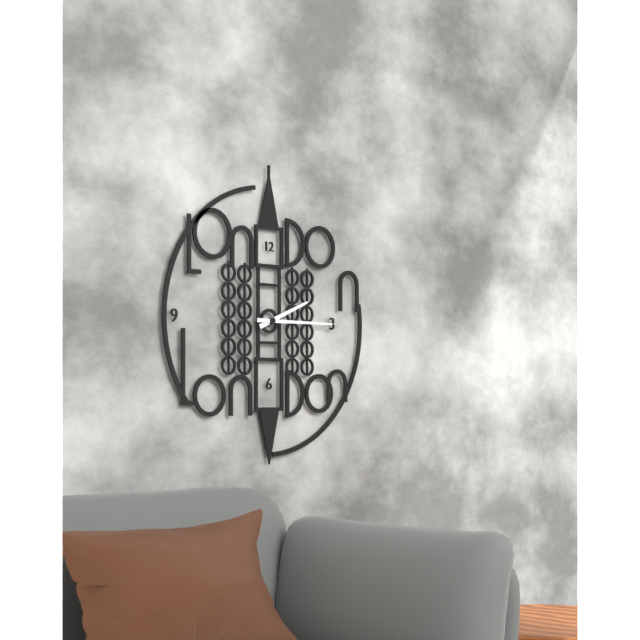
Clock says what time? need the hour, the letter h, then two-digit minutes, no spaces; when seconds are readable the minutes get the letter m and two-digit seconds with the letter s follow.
2h15
